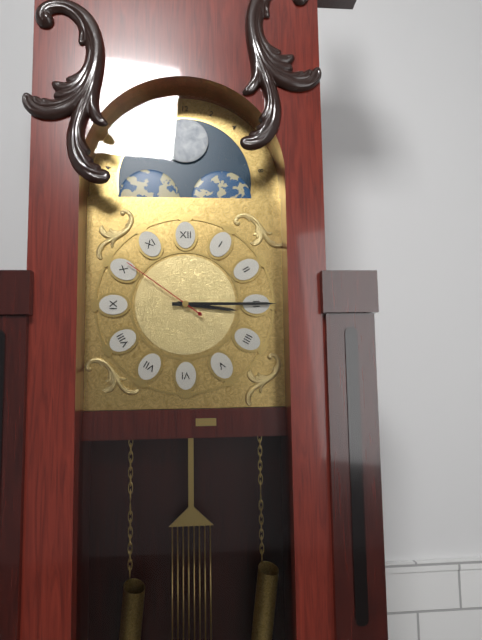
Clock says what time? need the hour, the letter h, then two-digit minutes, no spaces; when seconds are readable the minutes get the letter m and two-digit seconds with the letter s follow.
3h15m51s
